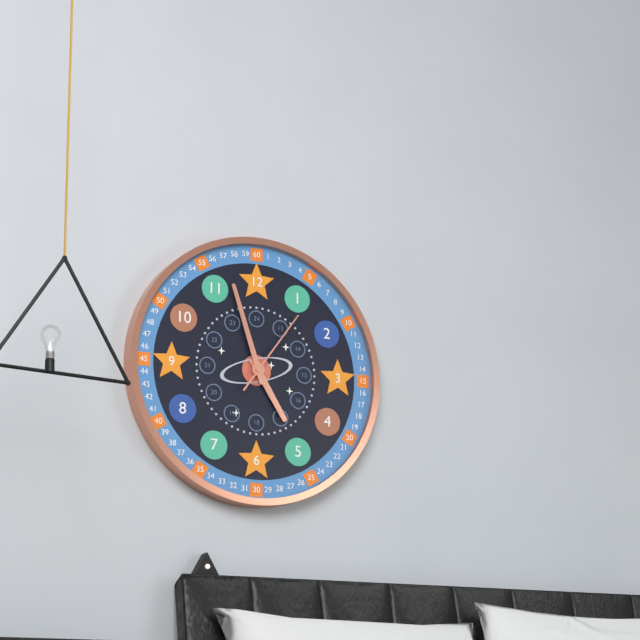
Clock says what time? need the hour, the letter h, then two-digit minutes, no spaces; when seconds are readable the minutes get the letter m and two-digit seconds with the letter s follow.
4h57m06s
